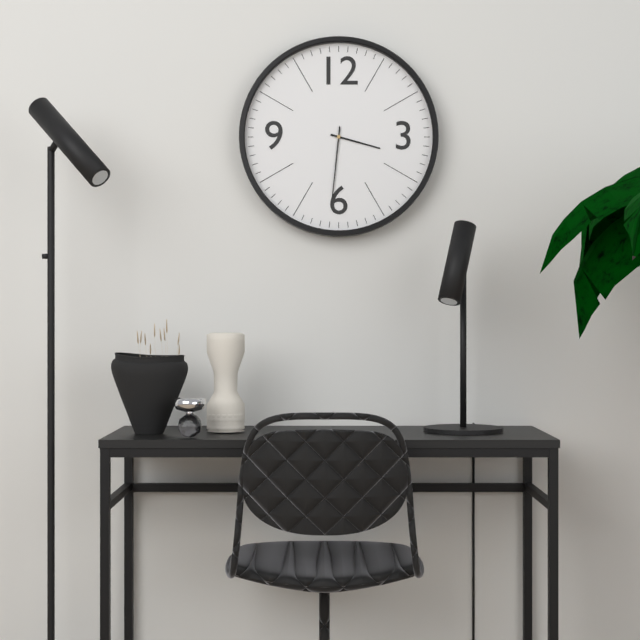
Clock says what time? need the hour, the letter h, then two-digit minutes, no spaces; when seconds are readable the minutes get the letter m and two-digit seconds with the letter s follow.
3h31
